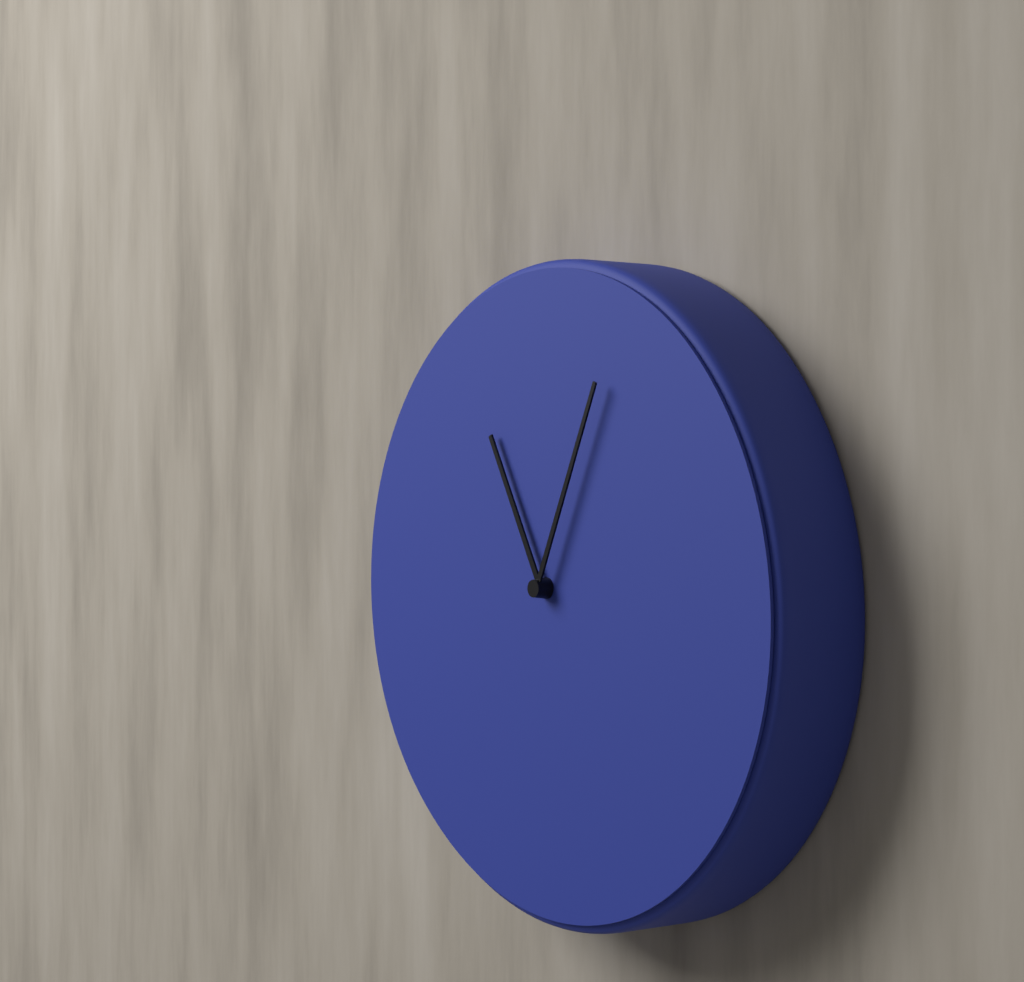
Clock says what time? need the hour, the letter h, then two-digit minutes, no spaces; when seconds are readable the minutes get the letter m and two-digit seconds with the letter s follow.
11h04
